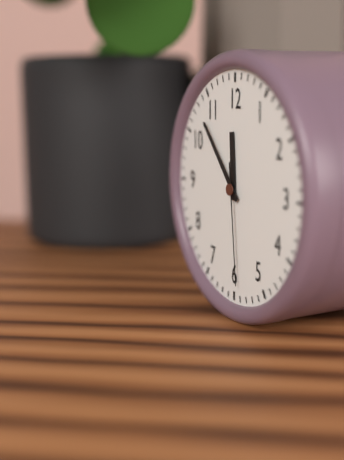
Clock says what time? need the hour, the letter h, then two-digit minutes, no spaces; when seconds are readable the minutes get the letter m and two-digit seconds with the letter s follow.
11h53m29s
